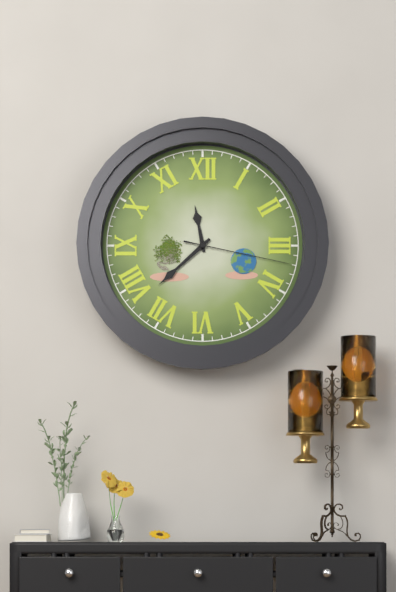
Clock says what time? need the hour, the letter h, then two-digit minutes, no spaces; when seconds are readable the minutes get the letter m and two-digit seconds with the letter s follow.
11h38m17s
